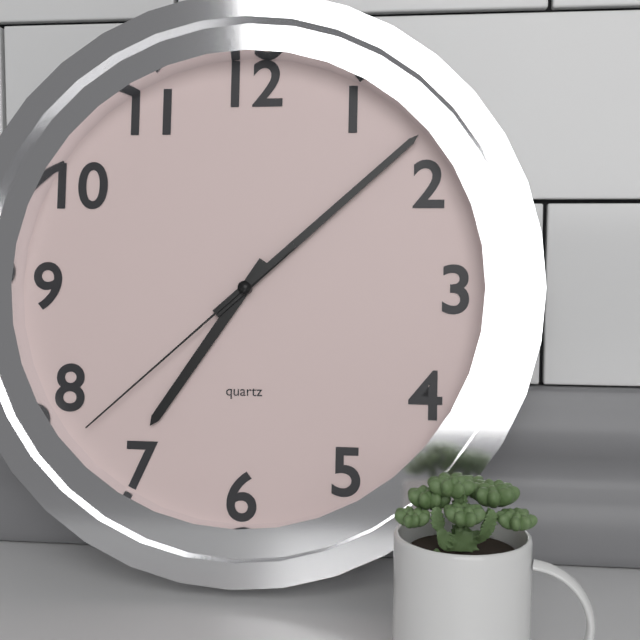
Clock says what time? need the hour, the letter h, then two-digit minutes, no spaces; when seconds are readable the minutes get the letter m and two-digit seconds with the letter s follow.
7h08m38s
